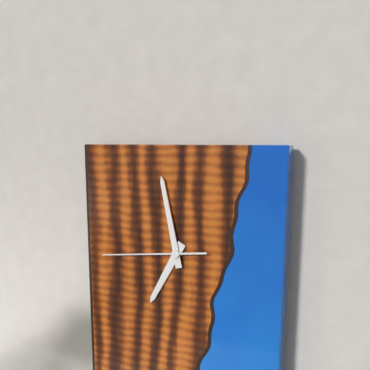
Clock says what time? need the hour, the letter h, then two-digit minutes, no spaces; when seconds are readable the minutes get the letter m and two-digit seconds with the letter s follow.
6h58m44s
